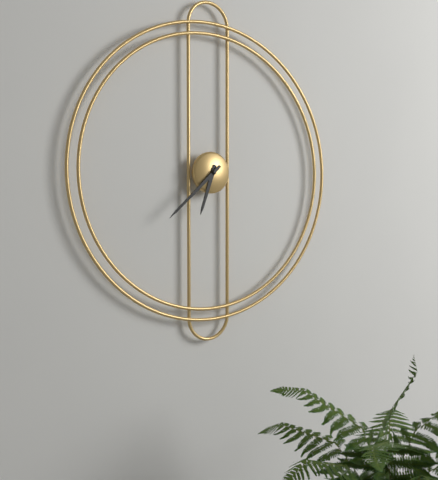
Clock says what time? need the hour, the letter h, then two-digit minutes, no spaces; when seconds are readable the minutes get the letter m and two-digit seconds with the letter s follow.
6h38
